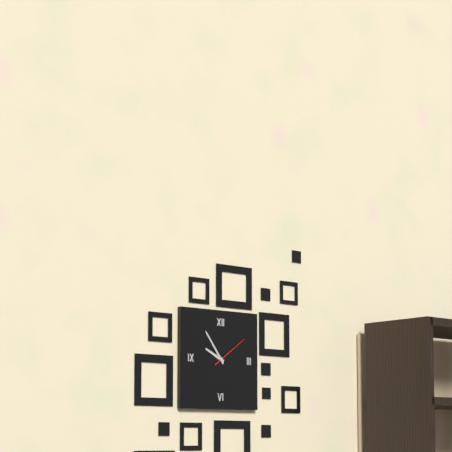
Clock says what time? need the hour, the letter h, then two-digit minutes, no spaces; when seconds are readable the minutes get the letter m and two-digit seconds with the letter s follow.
9h54
